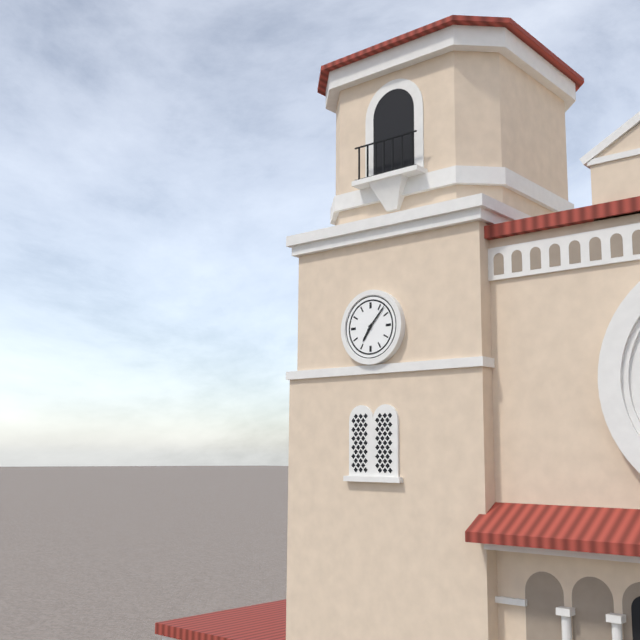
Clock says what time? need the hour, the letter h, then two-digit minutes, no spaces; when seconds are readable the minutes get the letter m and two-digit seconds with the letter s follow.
7h07
